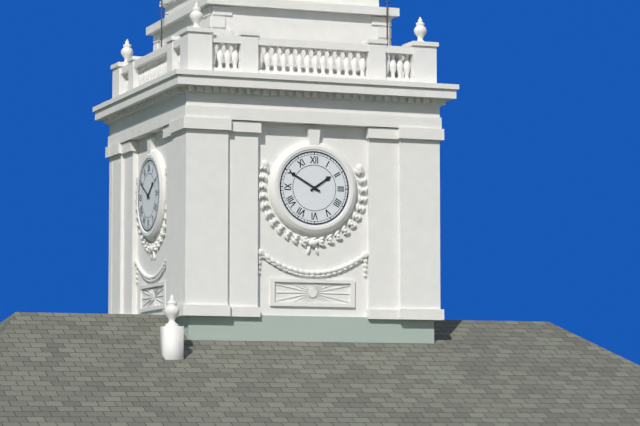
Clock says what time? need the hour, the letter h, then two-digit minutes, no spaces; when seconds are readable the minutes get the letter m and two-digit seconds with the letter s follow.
1h50
